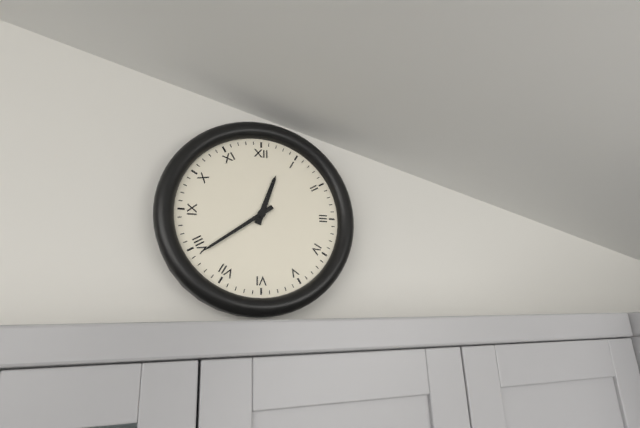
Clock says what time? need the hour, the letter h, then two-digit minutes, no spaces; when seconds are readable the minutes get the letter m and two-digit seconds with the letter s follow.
12h39
